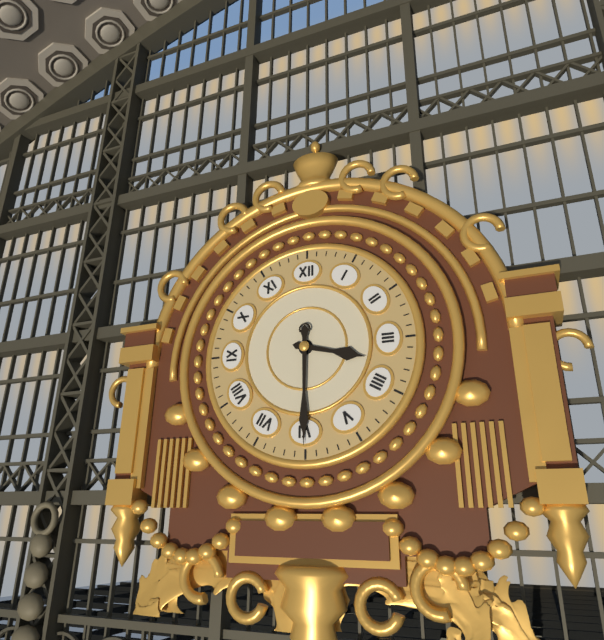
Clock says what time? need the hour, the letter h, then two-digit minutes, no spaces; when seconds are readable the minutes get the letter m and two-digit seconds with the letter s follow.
3h30
